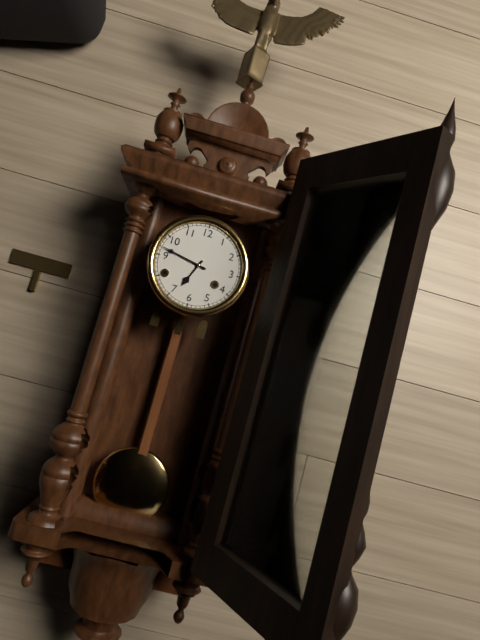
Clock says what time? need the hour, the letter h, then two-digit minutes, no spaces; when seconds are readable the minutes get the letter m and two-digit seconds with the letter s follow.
6h47
